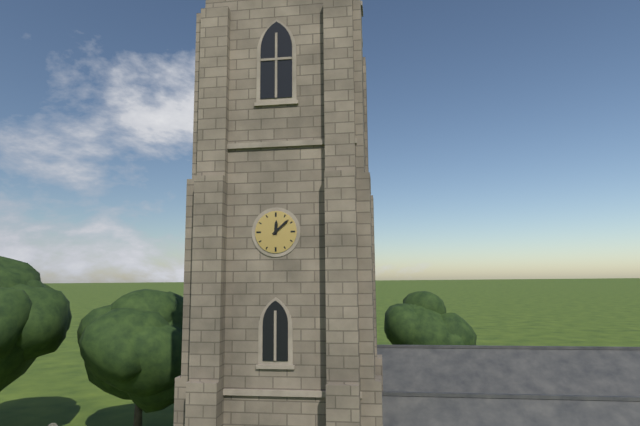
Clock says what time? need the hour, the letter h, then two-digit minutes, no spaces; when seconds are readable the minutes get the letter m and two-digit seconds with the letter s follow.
12h08
